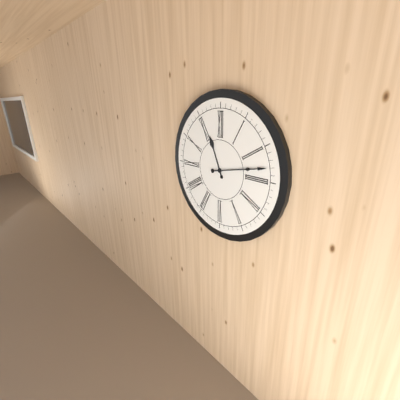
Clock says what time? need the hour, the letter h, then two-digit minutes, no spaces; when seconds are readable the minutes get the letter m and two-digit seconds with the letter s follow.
11h13
